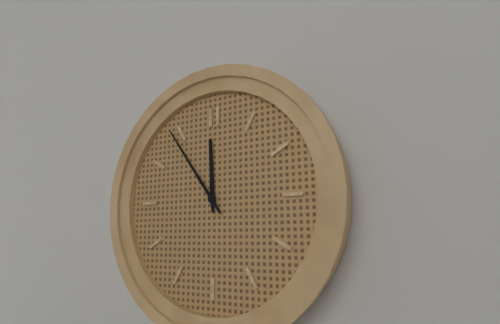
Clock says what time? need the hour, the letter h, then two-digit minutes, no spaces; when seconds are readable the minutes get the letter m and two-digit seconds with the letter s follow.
11h54
